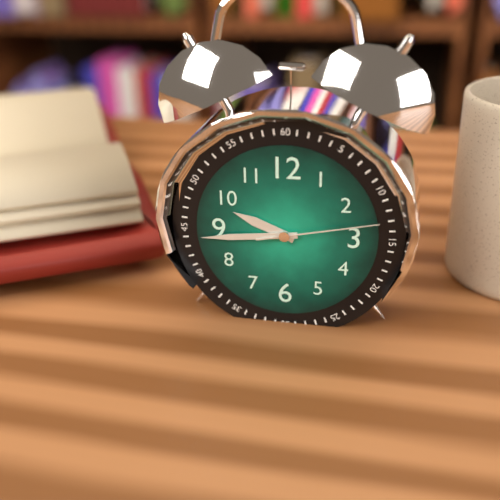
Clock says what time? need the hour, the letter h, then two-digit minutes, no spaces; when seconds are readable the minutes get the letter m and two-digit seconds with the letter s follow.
9h44m13s
